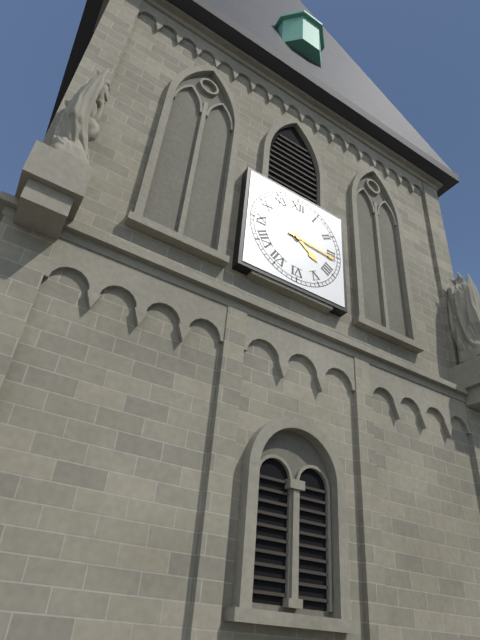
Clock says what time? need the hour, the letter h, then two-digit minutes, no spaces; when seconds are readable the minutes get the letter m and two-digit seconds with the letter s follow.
4h16
